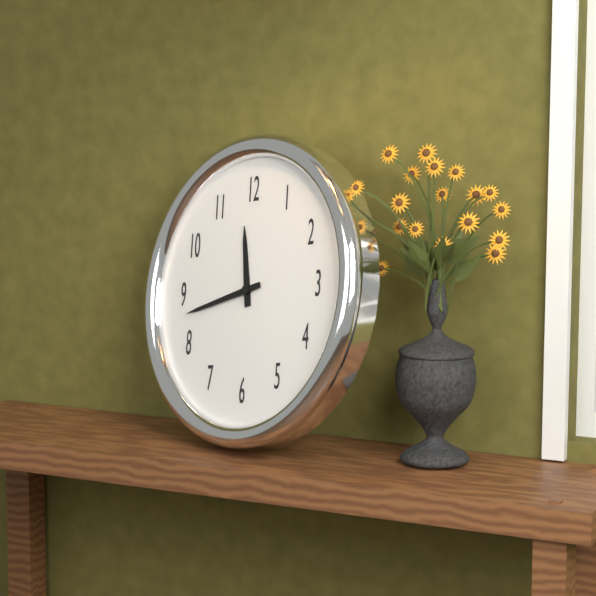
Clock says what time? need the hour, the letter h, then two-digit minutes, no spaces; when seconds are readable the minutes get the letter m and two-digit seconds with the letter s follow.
11h43
